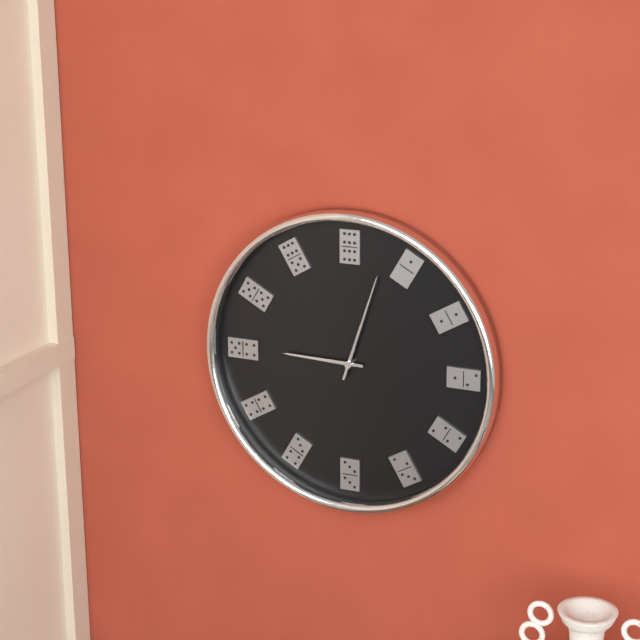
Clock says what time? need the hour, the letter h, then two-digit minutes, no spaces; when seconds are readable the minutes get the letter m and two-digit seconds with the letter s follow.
9h03
